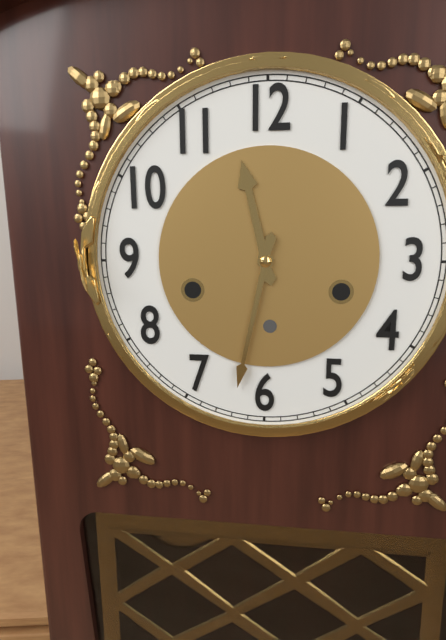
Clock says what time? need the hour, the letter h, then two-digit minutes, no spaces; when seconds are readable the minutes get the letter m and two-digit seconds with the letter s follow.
11h32
